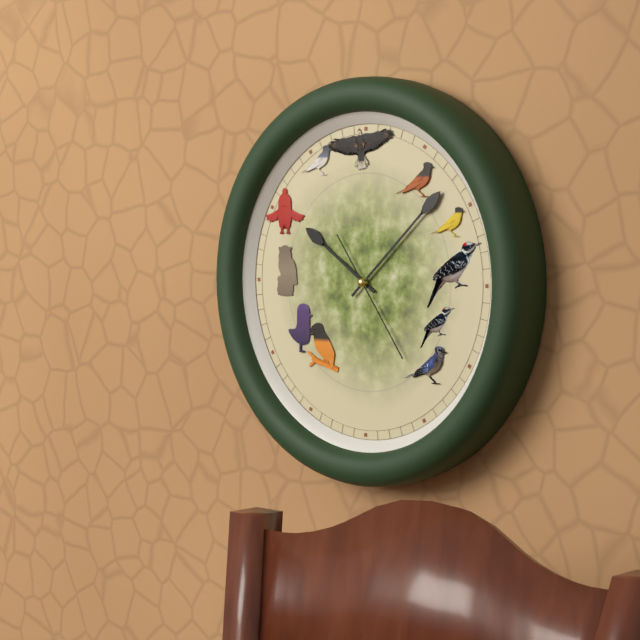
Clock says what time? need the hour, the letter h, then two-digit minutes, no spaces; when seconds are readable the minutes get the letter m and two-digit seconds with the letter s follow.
10h08m24s
